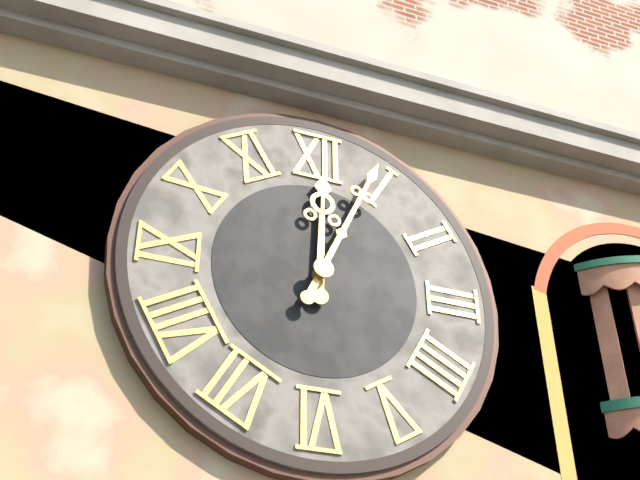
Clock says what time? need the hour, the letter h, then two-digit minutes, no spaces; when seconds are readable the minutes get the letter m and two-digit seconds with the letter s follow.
12h04
